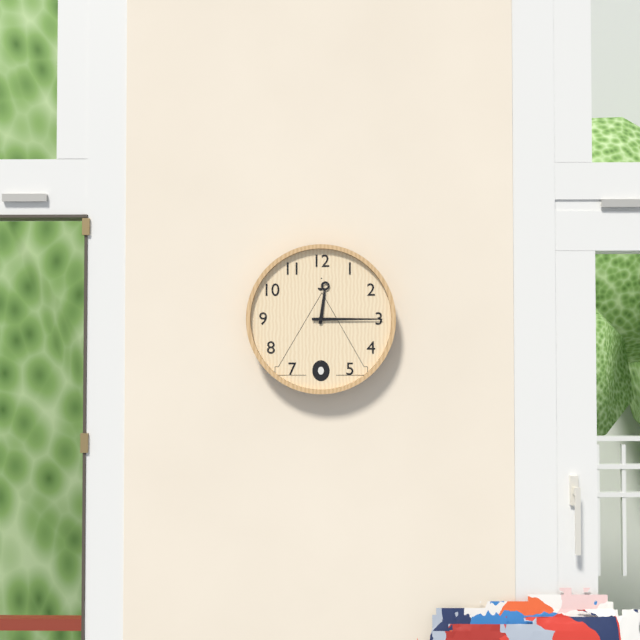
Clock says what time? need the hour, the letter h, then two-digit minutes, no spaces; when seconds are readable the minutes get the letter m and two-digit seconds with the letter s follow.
12h15
